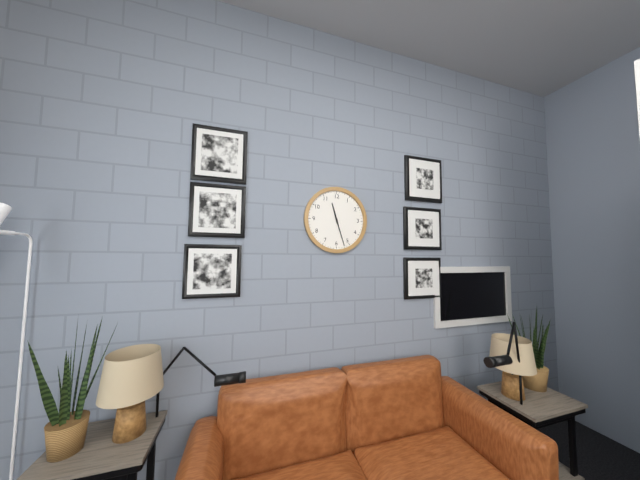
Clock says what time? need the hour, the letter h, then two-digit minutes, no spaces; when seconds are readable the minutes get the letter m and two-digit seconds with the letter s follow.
11h27
